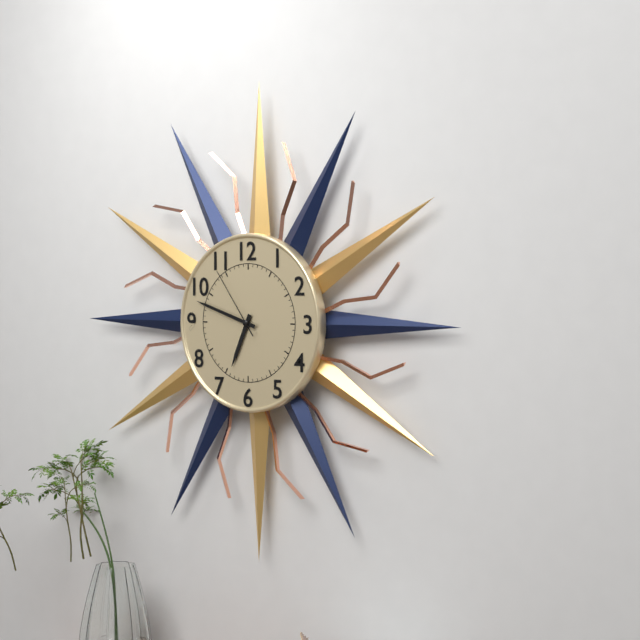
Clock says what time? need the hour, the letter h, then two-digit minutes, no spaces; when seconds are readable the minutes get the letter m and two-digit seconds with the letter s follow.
6h48m54s
